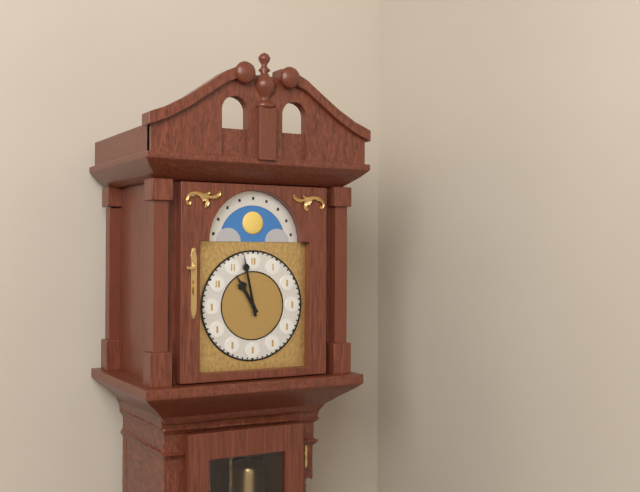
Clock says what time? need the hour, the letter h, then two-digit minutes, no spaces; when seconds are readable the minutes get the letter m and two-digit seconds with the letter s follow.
10h58
